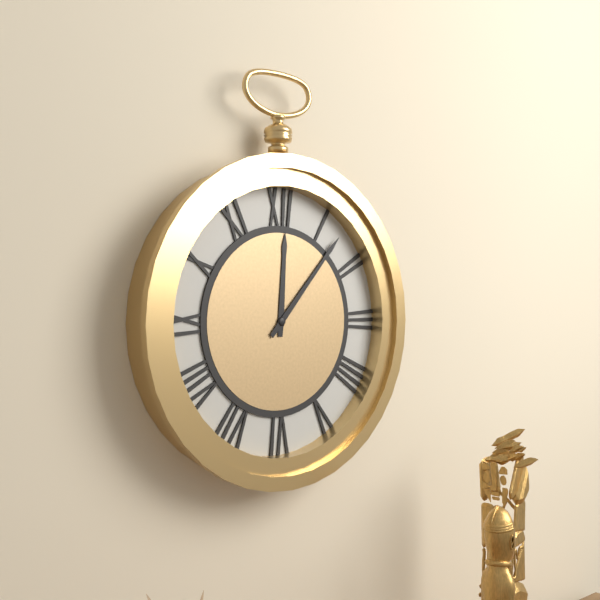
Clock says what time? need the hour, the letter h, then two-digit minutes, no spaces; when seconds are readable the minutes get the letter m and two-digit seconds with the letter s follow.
12h07
